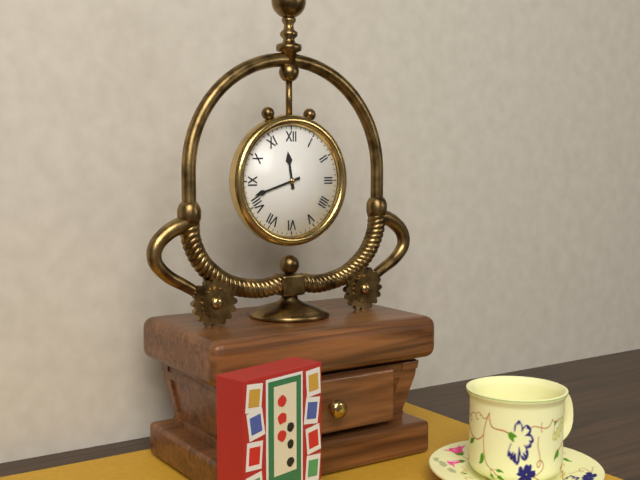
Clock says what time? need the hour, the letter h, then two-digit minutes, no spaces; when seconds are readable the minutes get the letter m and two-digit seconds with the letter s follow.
11h42
